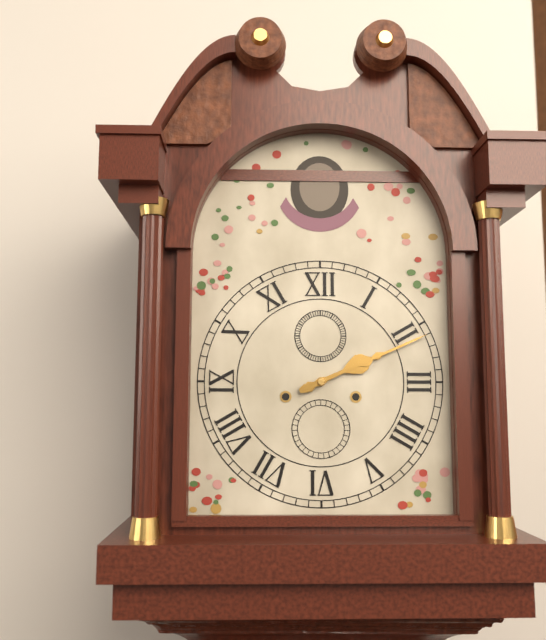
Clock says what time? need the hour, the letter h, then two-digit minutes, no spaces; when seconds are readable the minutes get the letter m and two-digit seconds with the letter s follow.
2h11
